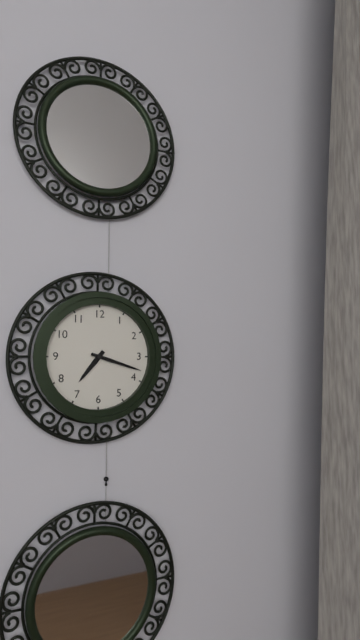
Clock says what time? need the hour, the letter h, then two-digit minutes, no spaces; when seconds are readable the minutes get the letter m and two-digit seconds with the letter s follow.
7h18
